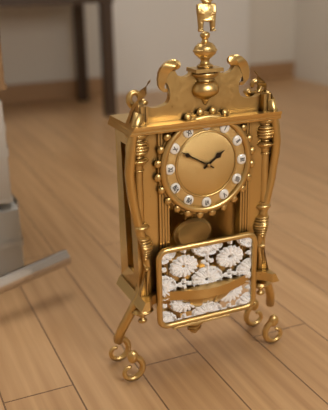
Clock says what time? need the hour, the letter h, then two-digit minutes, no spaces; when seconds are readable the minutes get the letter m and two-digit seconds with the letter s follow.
1h50
